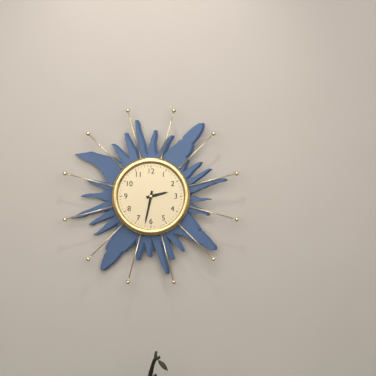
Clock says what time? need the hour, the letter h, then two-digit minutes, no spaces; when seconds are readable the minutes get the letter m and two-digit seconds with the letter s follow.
2h32
